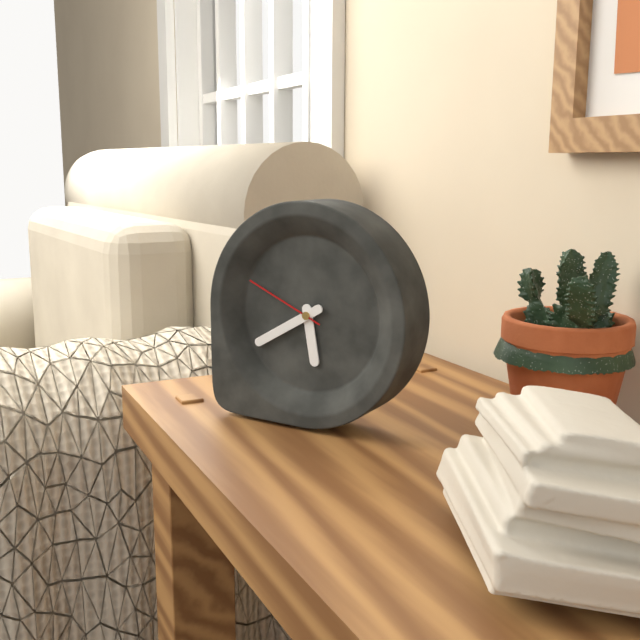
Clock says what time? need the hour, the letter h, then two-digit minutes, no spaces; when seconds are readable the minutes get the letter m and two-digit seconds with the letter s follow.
5h40m49s
